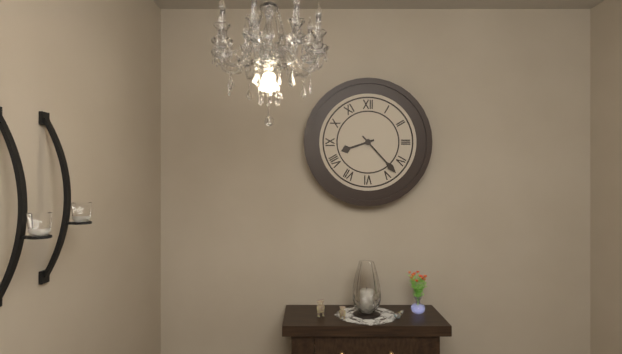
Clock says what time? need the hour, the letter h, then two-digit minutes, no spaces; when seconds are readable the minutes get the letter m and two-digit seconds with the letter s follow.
8h23
